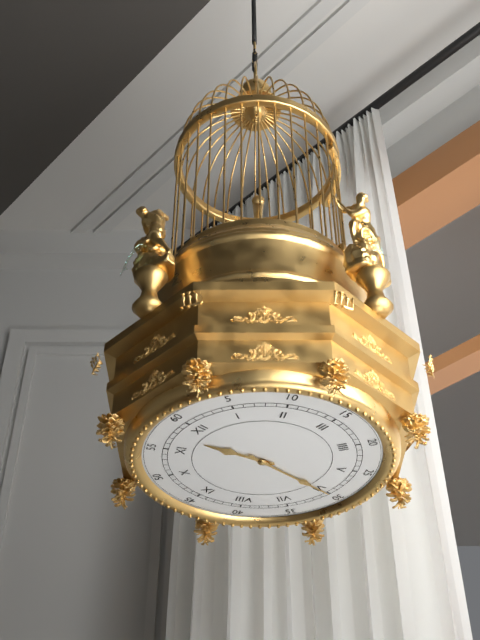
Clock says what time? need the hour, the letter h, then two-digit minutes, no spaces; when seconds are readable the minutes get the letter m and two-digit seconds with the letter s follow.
11h30
